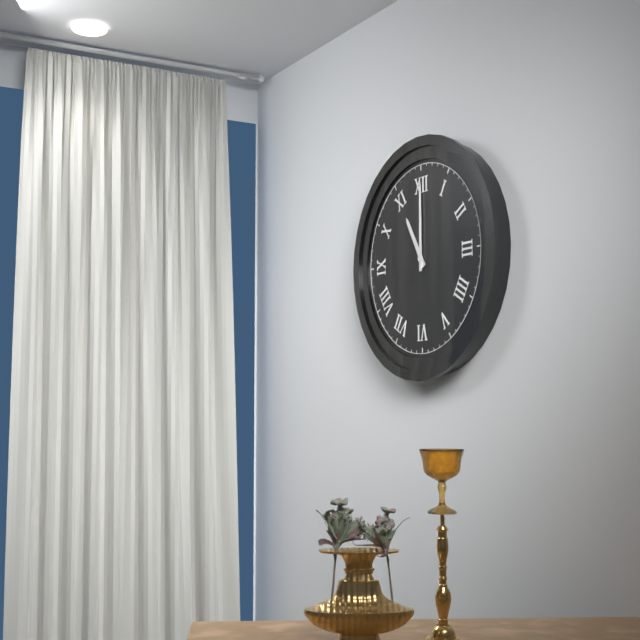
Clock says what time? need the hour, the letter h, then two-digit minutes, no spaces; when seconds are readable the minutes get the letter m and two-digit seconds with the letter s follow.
11h00
